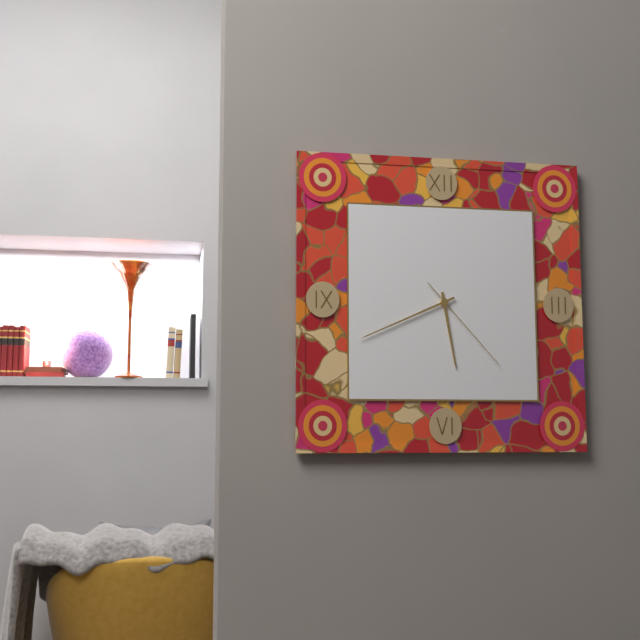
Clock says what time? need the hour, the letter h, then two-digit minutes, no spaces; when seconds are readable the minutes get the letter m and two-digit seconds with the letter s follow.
5h41m23s
